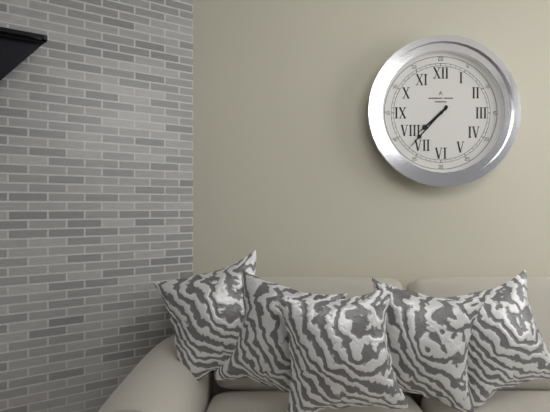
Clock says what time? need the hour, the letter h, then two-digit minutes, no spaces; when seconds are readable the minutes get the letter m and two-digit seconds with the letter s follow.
7h37
